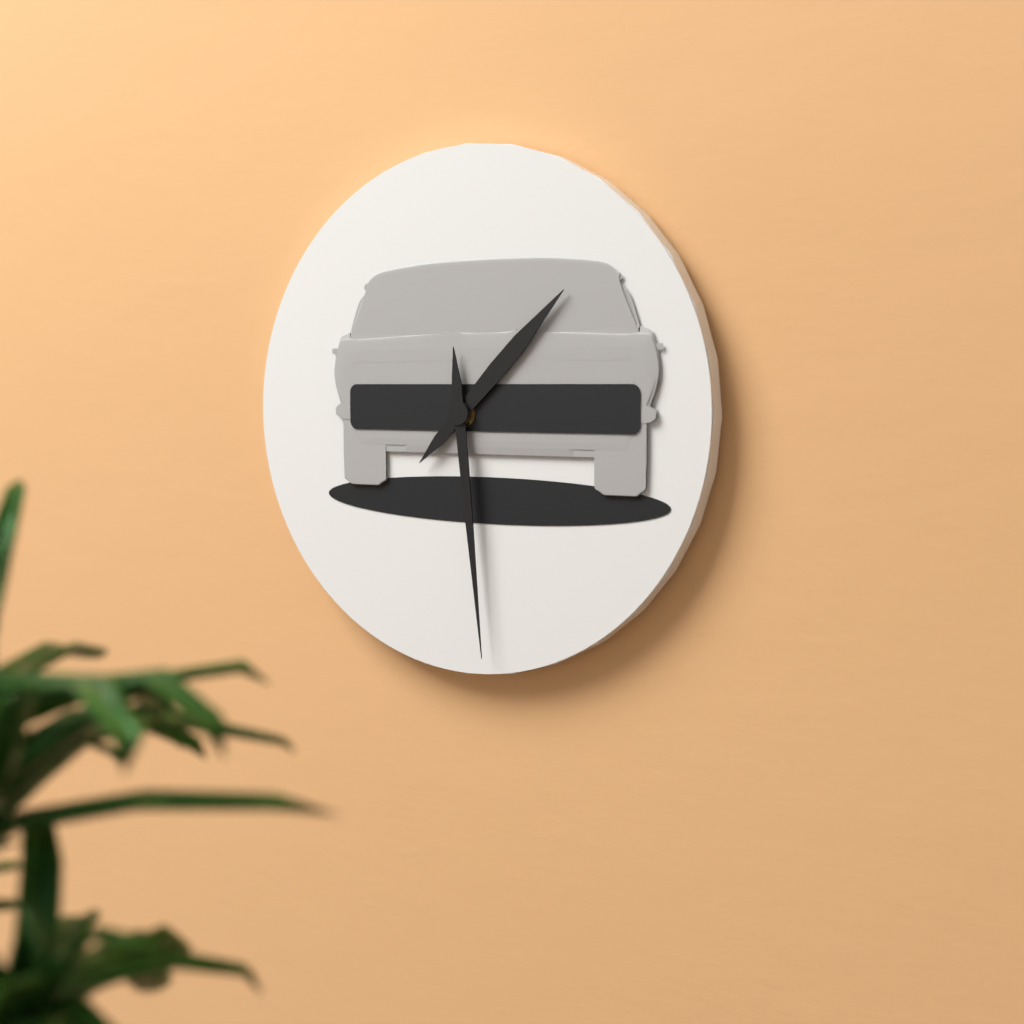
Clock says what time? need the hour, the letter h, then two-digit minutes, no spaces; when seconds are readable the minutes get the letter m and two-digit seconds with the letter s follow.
1h29
